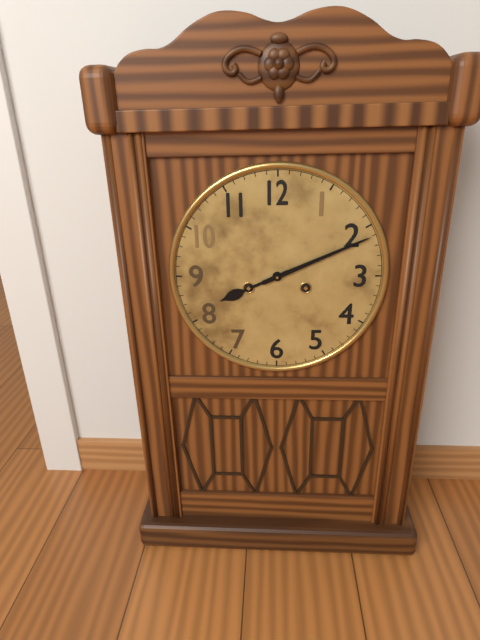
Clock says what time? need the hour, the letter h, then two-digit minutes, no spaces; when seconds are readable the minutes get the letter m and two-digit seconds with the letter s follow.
8h11
